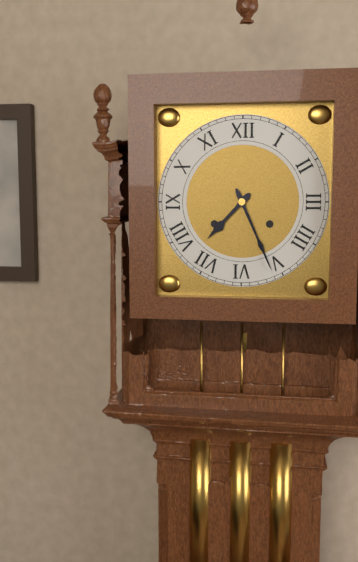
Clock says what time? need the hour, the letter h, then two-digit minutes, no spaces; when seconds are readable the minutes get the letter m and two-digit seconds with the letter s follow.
7h26
